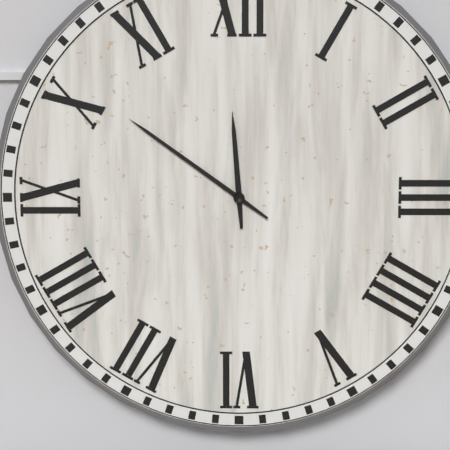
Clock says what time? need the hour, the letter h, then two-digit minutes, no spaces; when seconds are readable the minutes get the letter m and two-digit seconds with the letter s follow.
11h51
